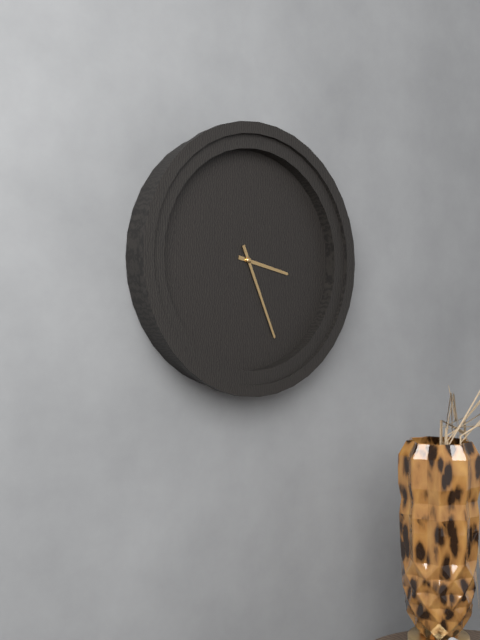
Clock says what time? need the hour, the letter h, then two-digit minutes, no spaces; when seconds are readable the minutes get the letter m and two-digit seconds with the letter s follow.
3h26
